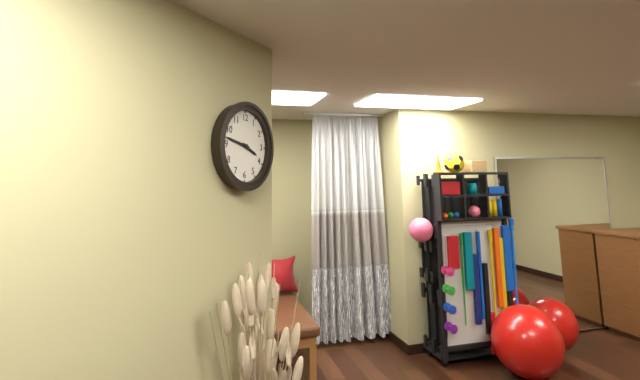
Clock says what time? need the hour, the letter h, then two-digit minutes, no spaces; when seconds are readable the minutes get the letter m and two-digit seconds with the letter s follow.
3h47
